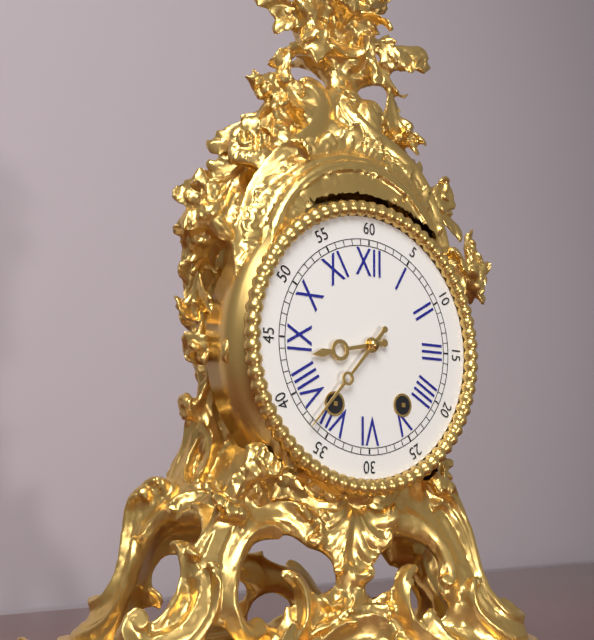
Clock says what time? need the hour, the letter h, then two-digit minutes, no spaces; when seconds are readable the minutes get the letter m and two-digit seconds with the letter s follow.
8h37
